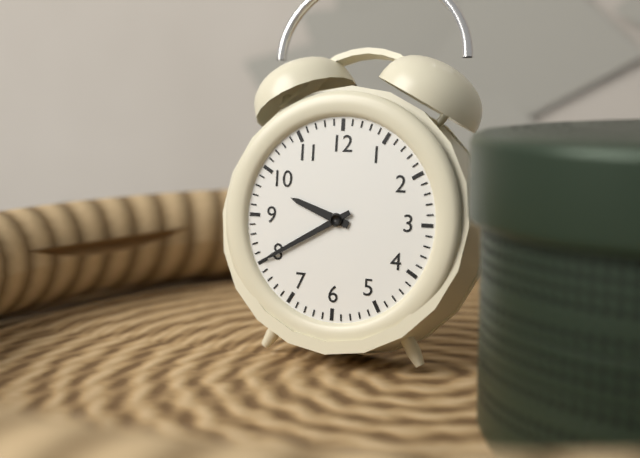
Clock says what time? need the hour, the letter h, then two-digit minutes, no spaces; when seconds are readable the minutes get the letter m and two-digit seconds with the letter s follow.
9h40
